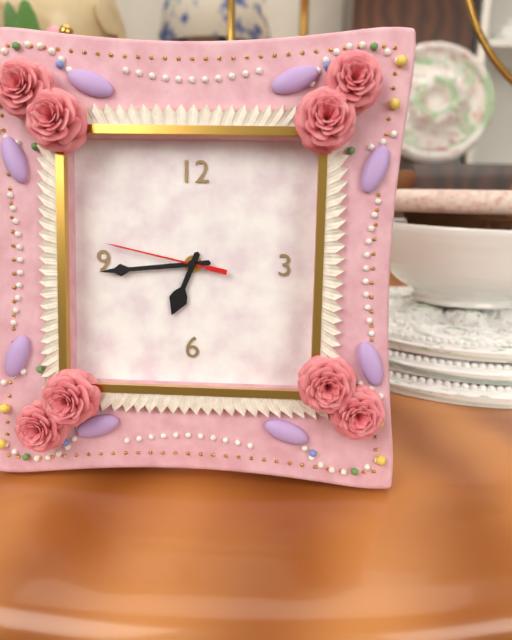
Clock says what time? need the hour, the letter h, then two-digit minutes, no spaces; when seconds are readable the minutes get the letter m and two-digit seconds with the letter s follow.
6h44m47s
